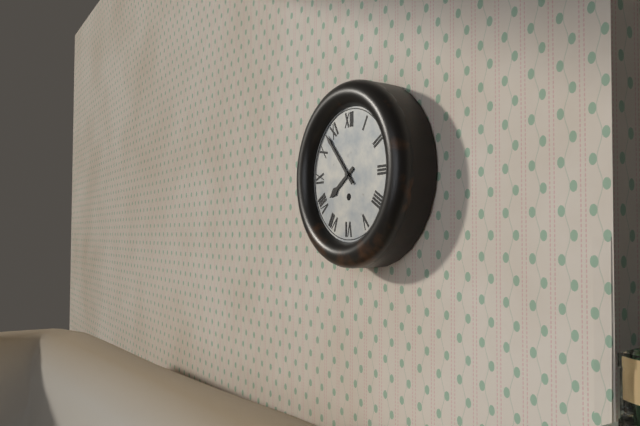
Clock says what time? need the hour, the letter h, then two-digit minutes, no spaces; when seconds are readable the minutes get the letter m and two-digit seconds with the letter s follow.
7h53
